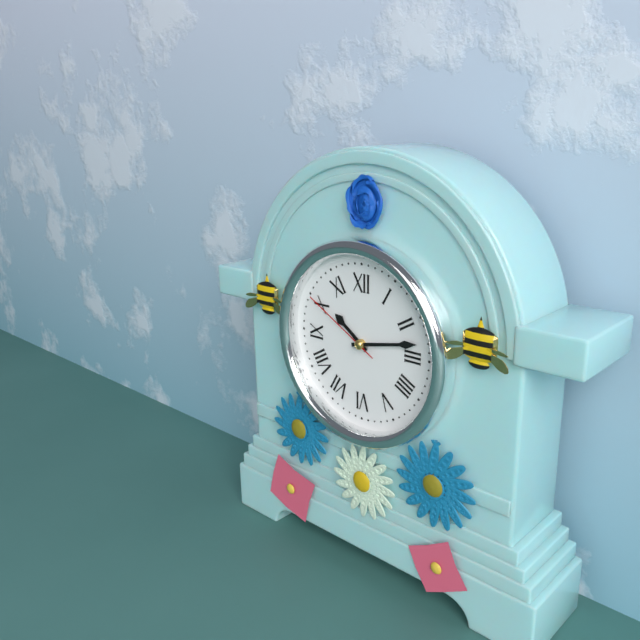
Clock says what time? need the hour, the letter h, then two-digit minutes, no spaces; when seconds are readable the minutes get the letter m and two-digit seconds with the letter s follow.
10h13m50s
